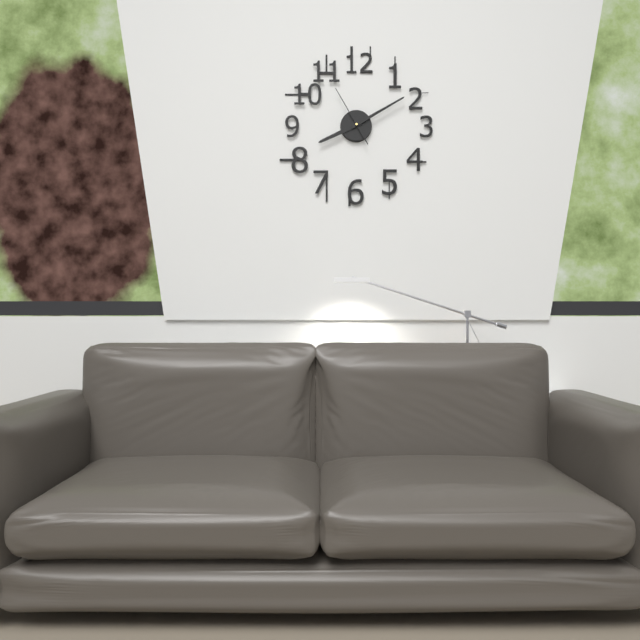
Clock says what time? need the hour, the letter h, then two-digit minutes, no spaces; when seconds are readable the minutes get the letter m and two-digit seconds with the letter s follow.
8h10m55s
